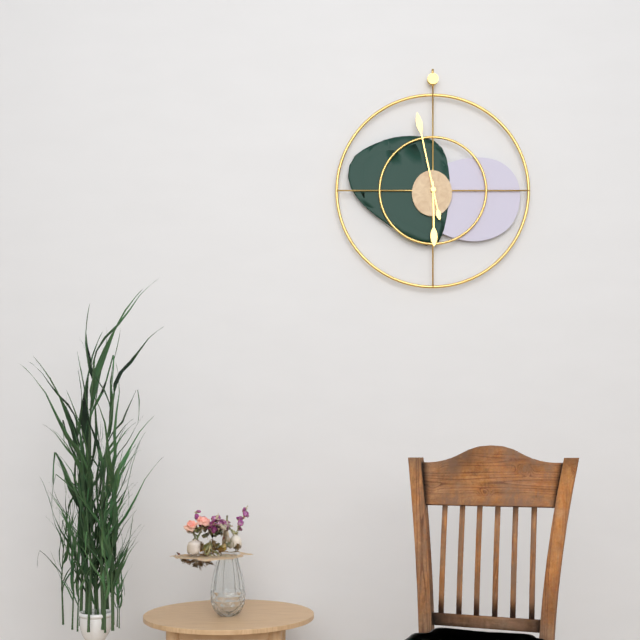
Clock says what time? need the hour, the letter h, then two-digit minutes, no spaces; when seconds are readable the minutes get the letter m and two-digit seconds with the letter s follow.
5h58
